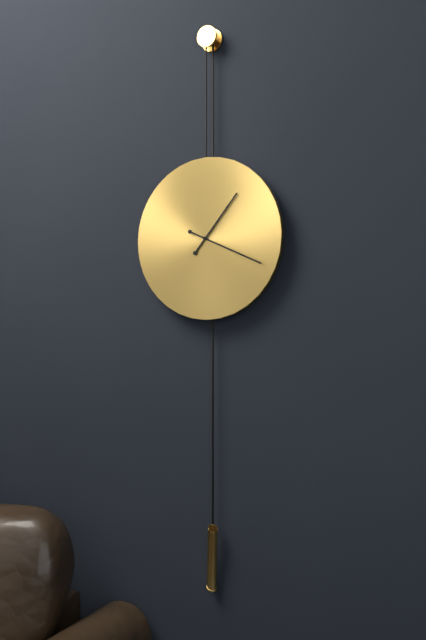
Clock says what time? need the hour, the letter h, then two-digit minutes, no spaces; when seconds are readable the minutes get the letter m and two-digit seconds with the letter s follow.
1h19
